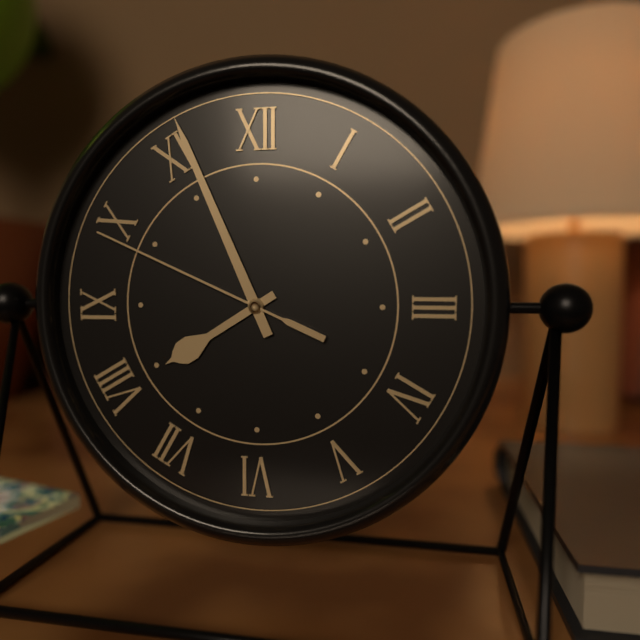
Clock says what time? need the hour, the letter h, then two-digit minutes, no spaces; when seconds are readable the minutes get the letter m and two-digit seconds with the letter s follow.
7h56m49s
